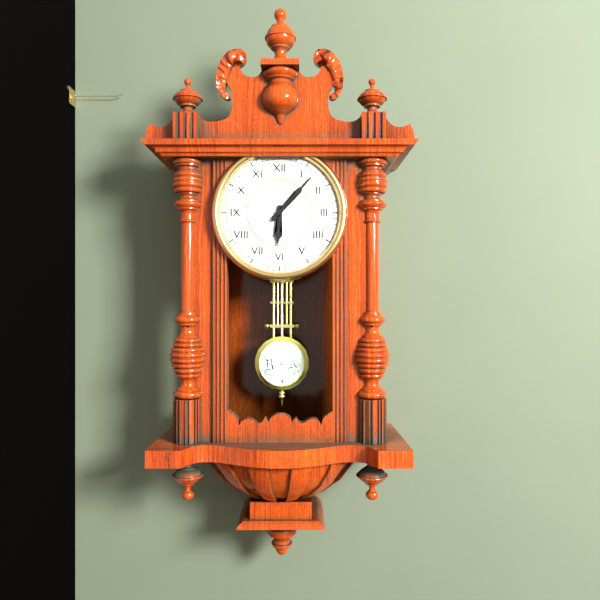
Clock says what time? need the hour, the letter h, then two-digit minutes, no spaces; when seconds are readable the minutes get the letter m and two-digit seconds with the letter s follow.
6h07
